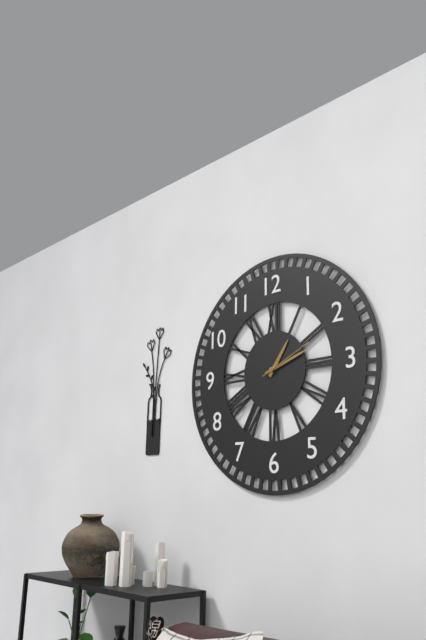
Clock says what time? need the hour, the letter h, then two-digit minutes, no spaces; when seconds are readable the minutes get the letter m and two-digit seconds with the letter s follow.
1h12m11s
